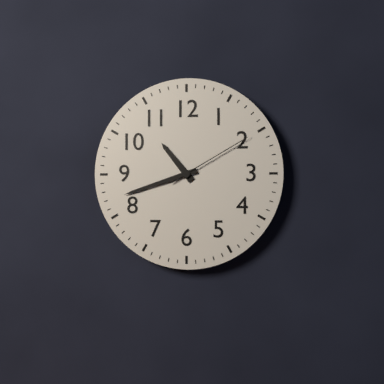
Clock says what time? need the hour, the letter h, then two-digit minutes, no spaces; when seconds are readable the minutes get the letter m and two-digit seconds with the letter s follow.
10h42m10s
